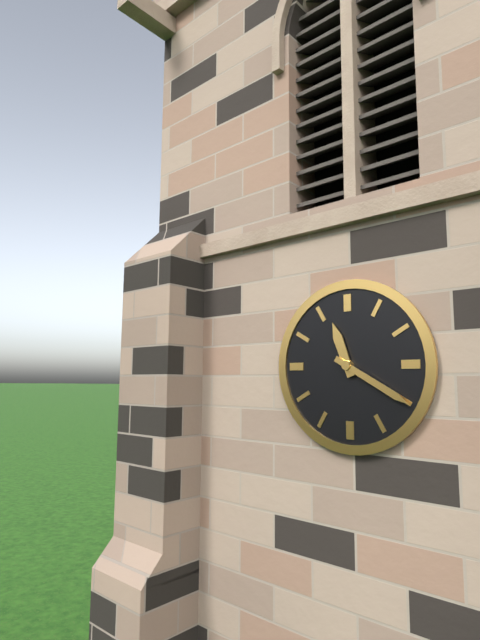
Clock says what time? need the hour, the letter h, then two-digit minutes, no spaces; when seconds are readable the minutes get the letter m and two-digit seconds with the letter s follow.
11h20
